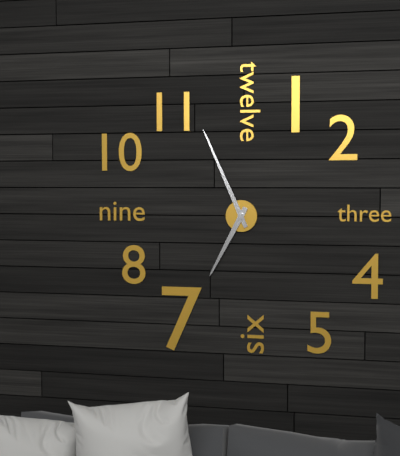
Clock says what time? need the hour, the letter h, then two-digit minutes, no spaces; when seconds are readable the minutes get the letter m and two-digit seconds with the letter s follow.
6h56
